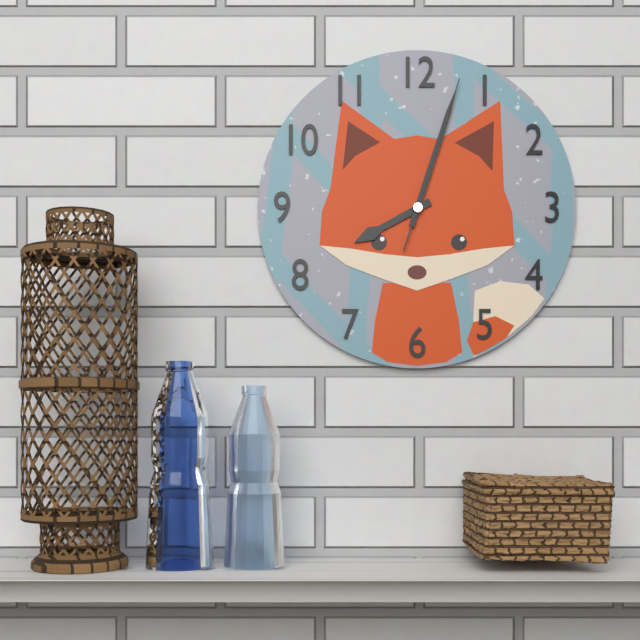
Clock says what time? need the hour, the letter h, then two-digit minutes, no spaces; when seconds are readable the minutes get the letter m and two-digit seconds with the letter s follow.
8h03m03s
